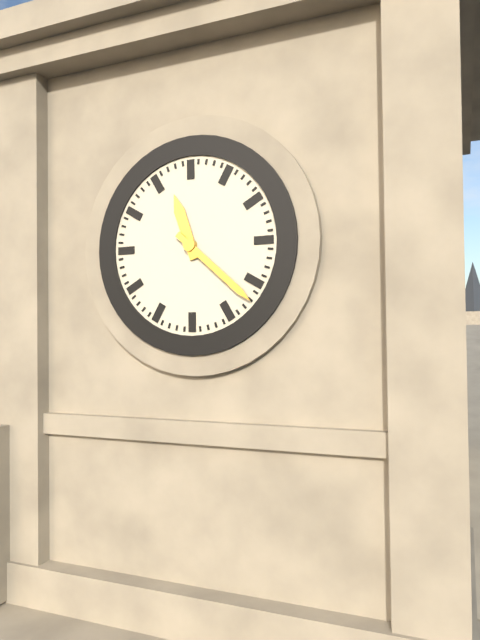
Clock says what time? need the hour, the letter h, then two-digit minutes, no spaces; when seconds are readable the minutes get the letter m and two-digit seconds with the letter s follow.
11h22
